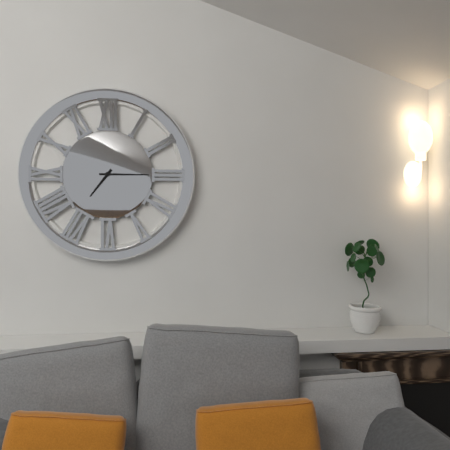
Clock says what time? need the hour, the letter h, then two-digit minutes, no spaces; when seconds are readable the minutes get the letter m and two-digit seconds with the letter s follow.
7h15
